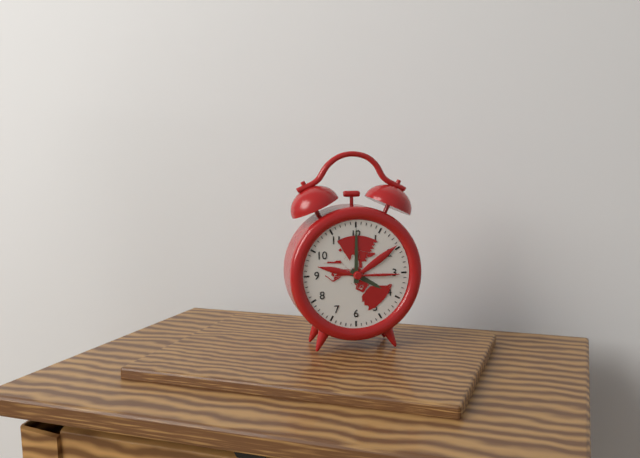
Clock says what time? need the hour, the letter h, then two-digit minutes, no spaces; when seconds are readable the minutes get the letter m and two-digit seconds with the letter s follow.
4h00
